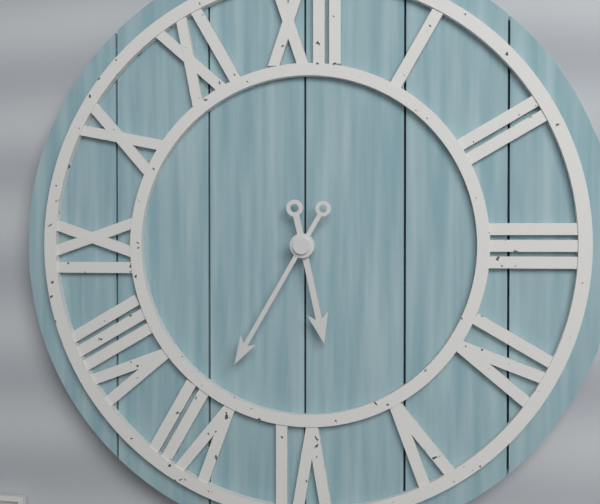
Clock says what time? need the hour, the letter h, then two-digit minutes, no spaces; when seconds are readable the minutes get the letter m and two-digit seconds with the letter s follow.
5h35
